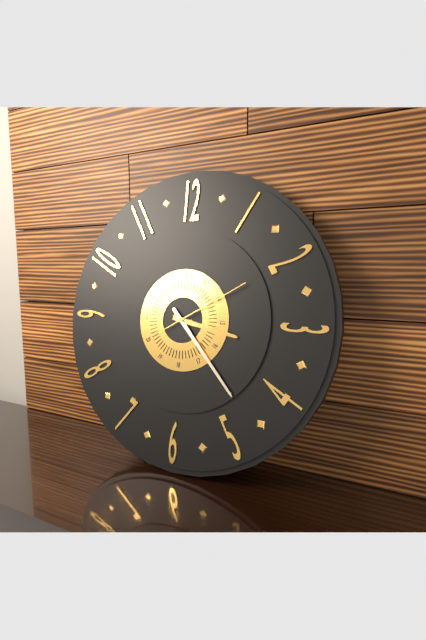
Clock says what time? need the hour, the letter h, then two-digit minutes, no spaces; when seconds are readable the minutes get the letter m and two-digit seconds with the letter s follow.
3h23m10s
